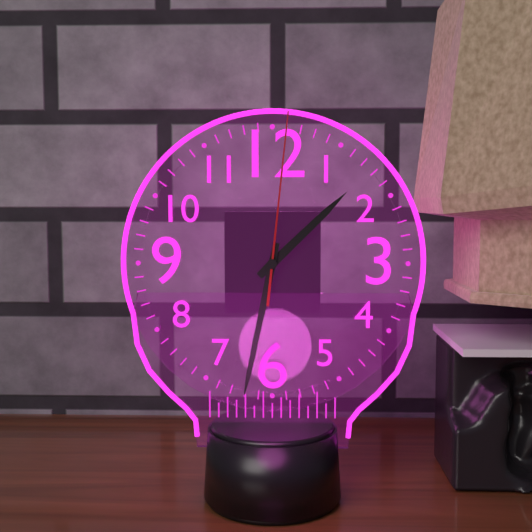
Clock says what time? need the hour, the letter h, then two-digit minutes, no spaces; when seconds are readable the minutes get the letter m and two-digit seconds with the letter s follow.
1h32m01s
